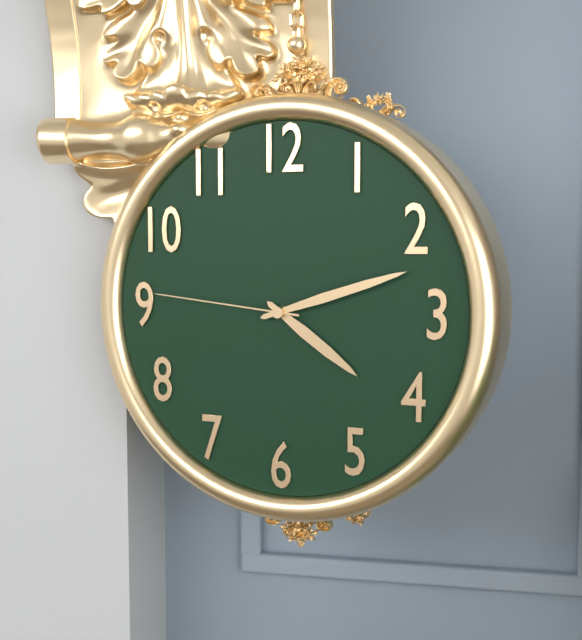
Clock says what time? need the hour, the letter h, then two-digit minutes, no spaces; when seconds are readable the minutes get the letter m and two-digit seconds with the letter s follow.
4h12m46s
